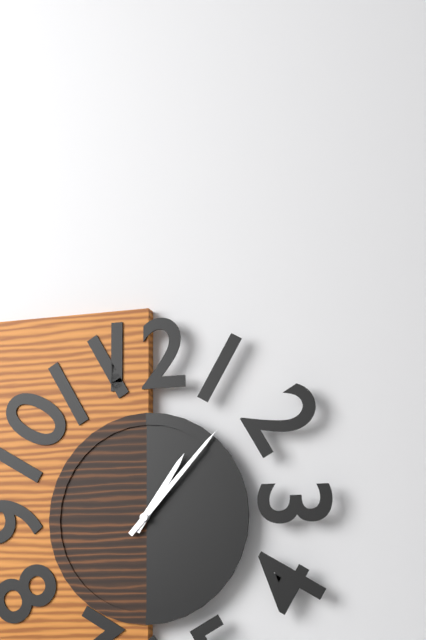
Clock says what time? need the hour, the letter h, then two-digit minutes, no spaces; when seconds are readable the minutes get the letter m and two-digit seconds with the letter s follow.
1h07
